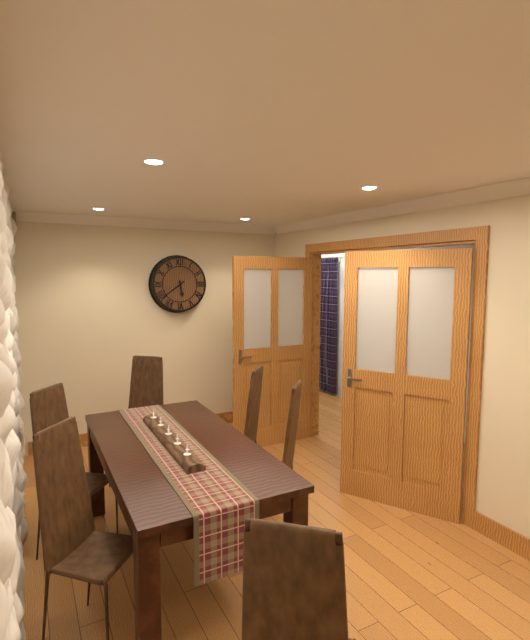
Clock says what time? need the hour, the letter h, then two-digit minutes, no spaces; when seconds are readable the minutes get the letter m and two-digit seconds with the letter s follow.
5h39
